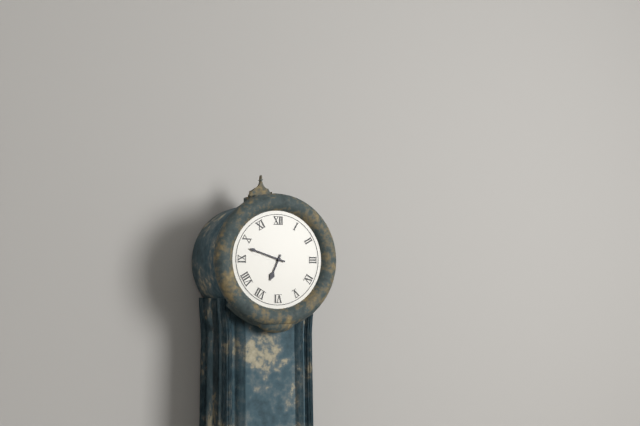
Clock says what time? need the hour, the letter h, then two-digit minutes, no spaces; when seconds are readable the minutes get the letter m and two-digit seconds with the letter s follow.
6h48
